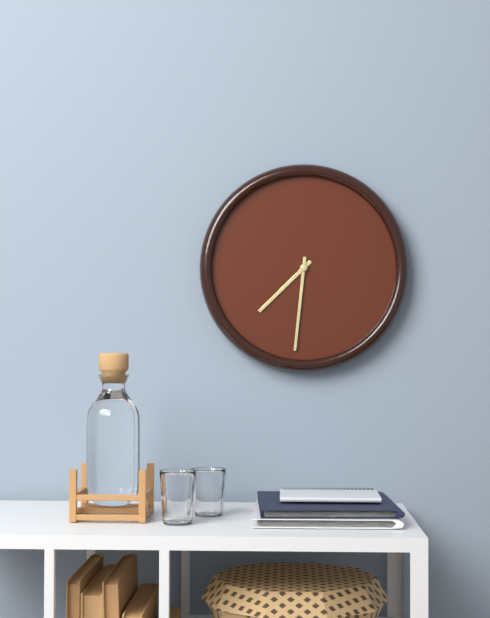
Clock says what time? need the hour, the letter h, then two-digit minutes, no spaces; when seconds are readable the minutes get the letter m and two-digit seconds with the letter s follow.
7h31
